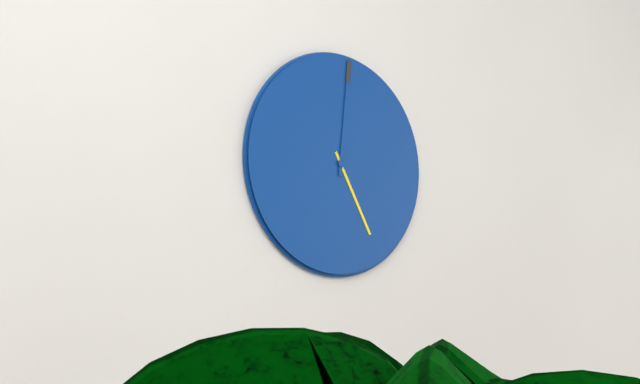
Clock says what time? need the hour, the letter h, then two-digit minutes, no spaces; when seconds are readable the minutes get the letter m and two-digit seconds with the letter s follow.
5h01
